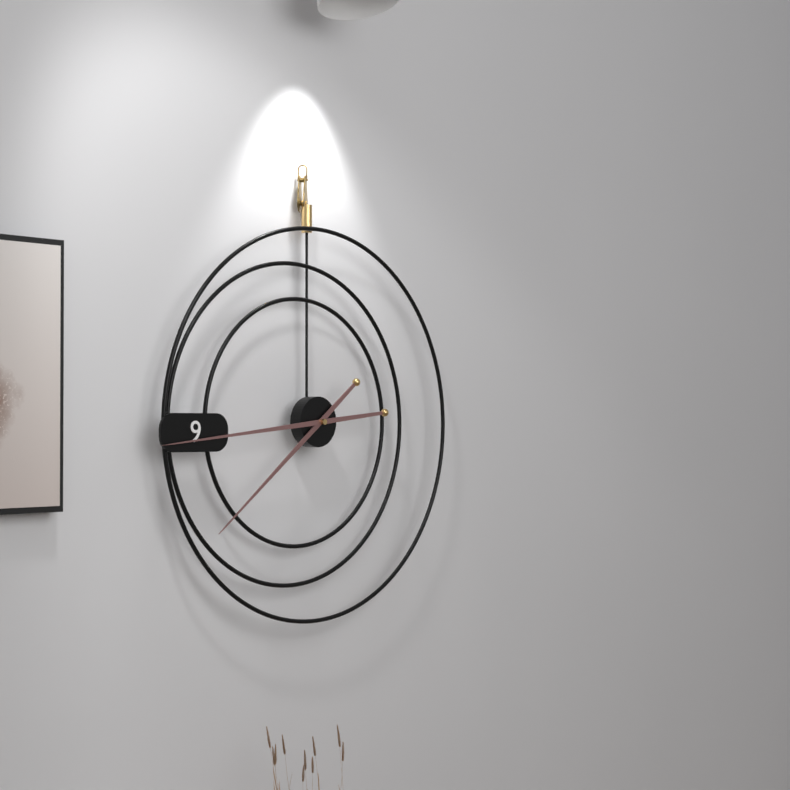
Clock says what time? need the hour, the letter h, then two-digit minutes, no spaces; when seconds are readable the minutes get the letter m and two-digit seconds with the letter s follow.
7h44
